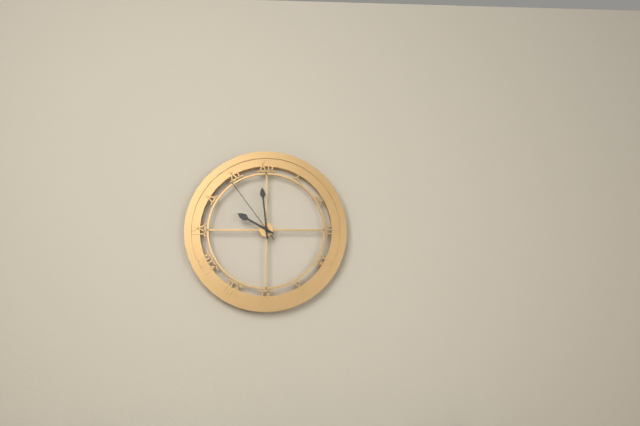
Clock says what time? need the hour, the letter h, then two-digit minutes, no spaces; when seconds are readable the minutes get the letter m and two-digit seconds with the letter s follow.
9h59m54s
